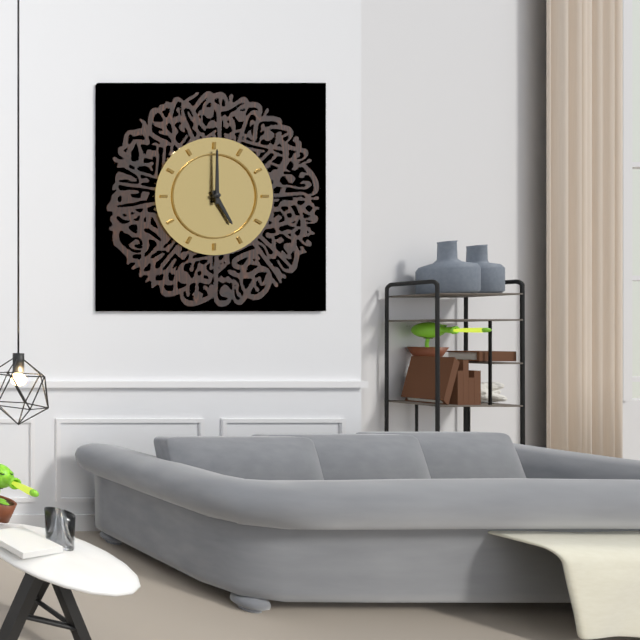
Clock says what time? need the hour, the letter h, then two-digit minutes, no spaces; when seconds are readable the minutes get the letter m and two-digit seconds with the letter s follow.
5h00
